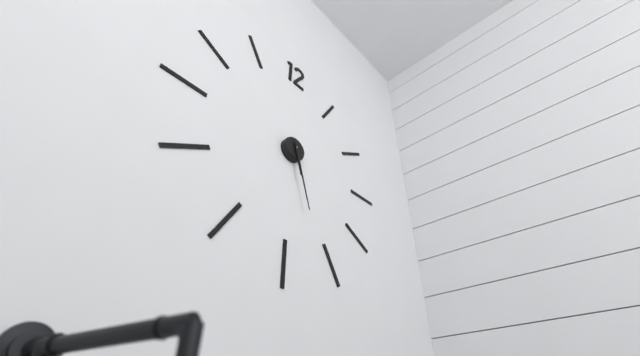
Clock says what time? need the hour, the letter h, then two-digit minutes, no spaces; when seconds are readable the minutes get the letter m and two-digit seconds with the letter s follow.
5h27
